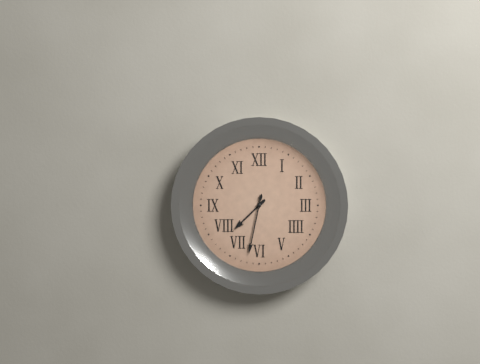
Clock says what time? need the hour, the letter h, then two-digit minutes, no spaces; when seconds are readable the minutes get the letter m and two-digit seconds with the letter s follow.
7h32
